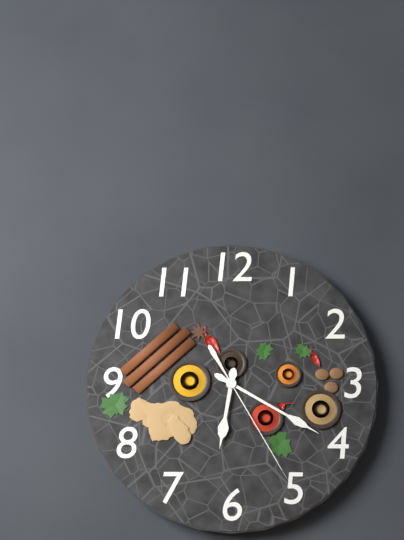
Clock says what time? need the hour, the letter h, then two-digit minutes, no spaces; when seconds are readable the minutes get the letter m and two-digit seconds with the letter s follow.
6h20m25s
